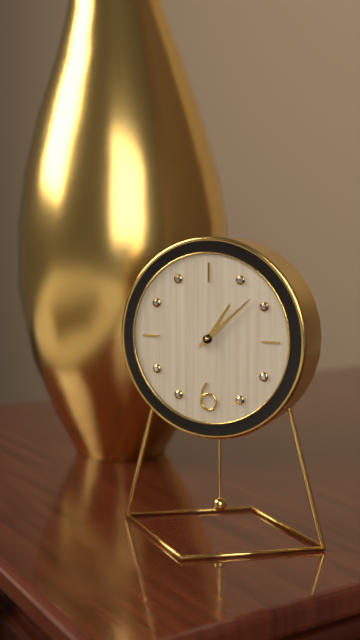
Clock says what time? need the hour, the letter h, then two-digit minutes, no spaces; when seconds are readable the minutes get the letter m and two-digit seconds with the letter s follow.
1h08
